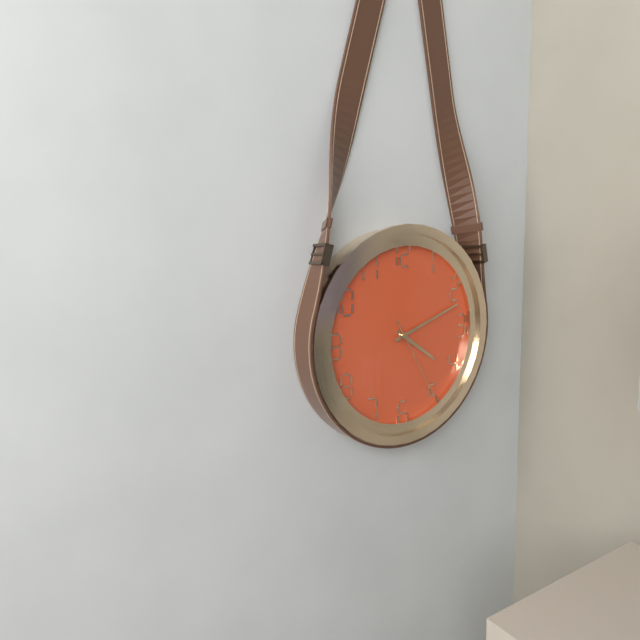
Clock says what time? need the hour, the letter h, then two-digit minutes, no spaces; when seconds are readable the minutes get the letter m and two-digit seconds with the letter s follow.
4h12m25s
